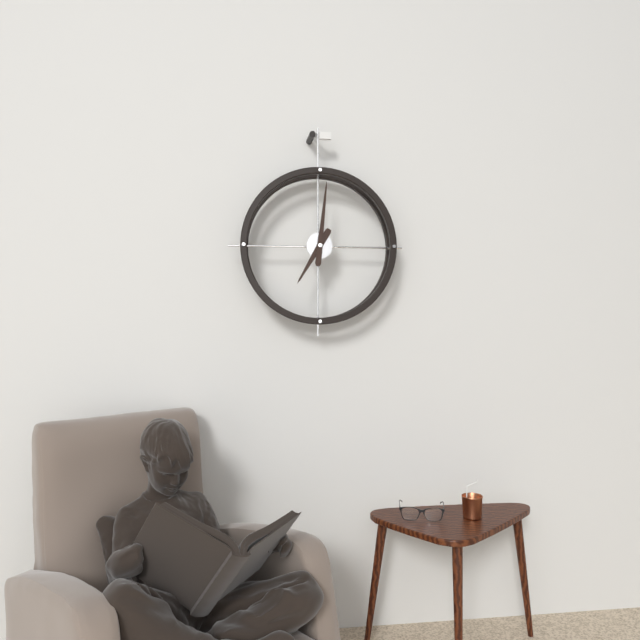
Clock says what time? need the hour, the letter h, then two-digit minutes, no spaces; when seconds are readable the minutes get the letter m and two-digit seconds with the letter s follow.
7h01
